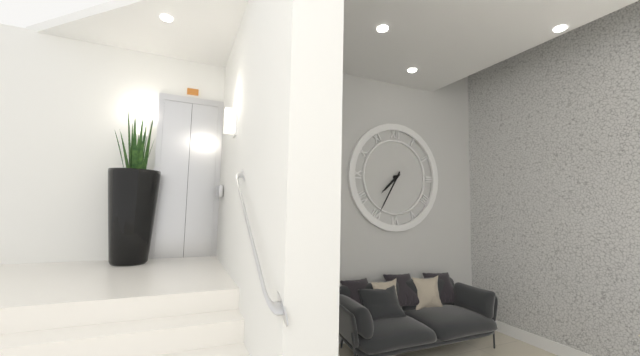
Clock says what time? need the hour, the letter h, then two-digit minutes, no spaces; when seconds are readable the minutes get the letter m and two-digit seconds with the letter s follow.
7h35
